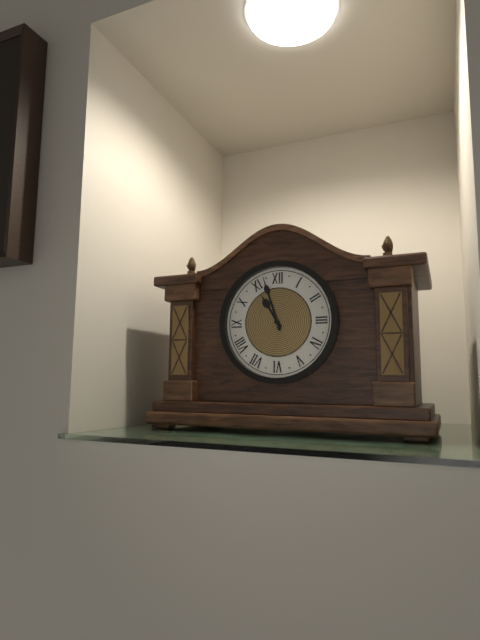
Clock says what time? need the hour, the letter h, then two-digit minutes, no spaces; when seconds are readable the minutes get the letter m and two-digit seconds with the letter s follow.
10h57
